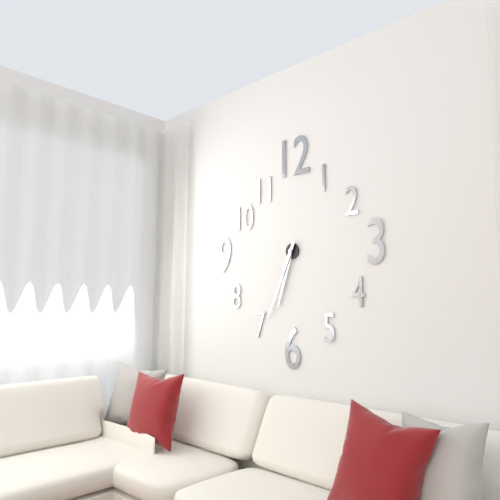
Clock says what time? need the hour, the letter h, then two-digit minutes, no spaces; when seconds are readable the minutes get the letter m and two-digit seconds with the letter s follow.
6h34
